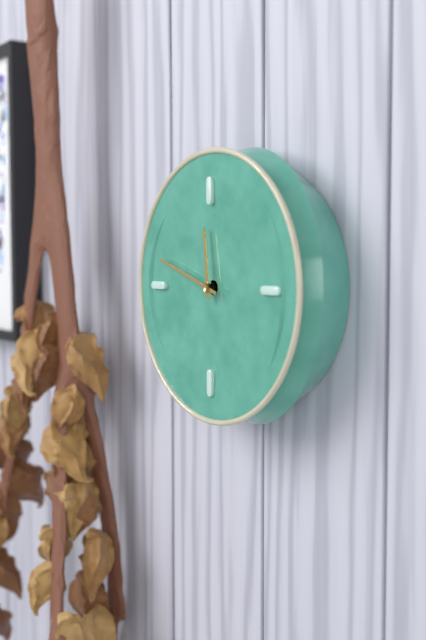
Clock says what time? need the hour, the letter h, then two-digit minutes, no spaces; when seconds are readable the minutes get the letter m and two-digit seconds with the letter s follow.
11h48
